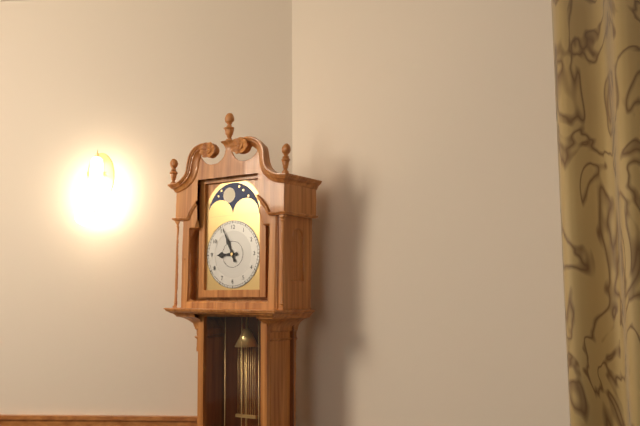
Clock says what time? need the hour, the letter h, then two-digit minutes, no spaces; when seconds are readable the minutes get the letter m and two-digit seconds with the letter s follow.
8h56
